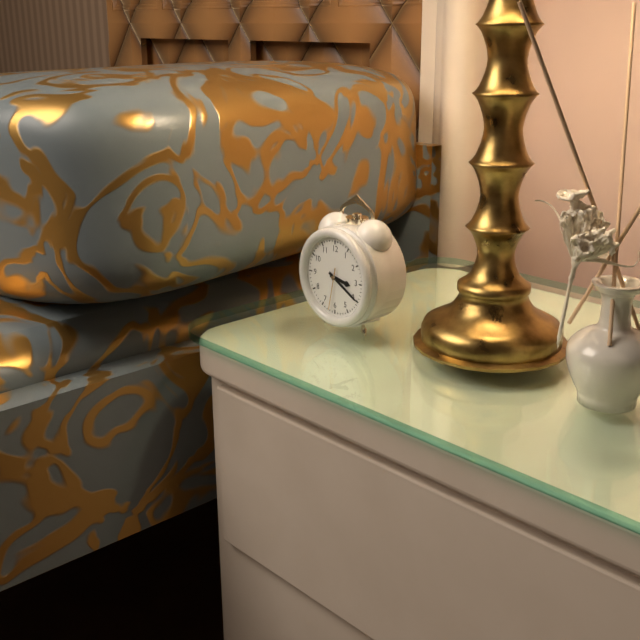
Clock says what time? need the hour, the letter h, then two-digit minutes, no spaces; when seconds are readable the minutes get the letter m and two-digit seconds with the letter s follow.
3h20
